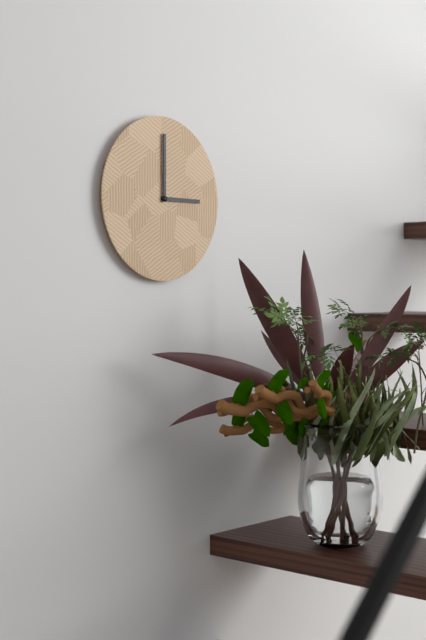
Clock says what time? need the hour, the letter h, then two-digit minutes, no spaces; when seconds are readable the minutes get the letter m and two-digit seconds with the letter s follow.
3h00
